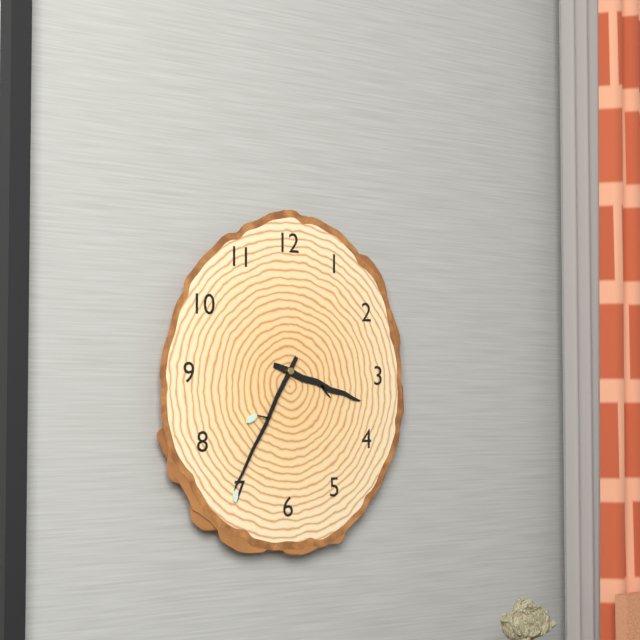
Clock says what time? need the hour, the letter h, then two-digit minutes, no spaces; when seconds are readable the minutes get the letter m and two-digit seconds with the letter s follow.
3h35
